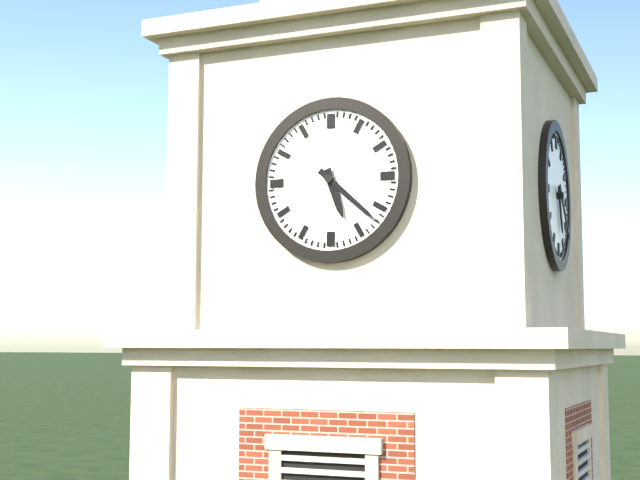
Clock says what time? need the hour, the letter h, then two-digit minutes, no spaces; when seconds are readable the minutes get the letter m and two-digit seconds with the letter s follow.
5h22
